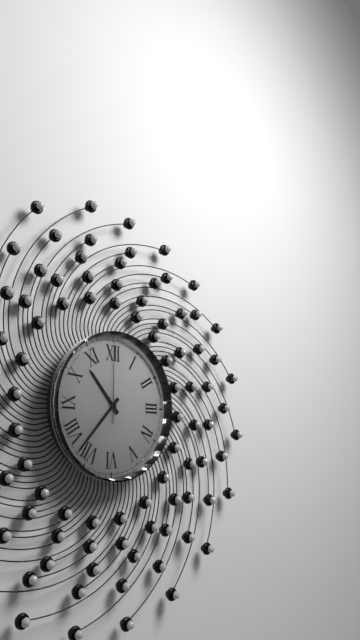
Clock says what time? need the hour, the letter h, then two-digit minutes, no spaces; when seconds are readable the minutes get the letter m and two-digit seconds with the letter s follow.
10h37m00s
